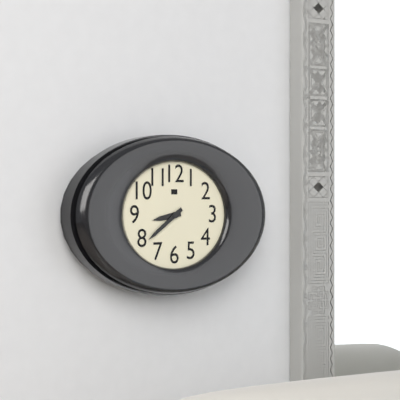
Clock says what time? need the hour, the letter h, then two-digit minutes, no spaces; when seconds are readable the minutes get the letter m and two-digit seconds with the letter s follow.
8h39
